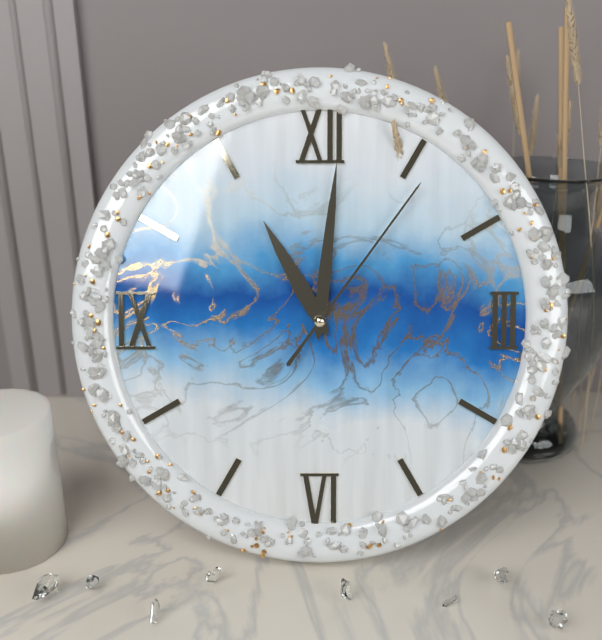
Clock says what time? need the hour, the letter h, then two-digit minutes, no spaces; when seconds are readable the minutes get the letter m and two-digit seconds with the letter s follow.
11h01m06s
